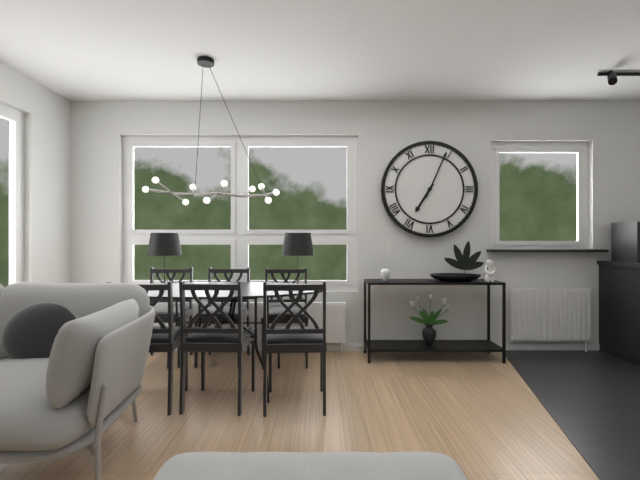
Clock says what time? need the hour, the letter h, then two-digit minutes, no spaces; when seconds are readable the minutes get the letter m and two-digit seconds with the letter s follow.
7h04
